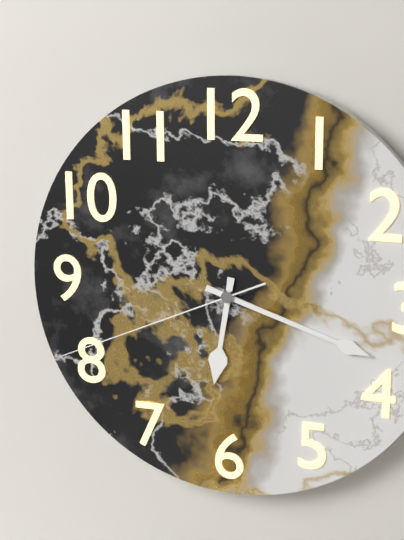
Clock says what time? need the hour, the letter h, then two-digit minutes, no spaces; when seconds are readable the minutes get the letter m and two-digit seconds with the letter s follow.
6h18m41s
